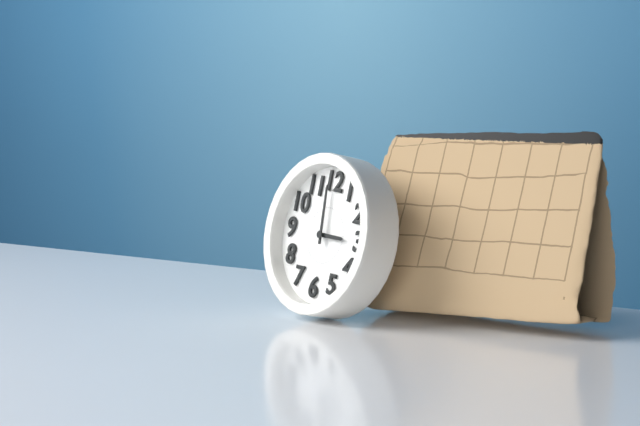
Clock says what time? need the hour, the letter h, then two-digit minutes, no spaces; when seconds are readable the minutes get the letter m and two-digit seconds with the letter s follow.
2h59
